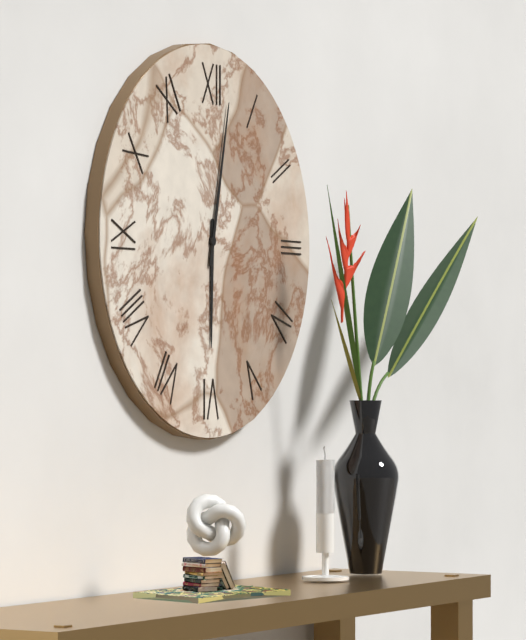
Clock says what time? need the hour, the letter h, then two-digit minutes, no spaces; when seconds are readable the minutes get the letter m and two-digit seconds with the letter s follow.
6h02
